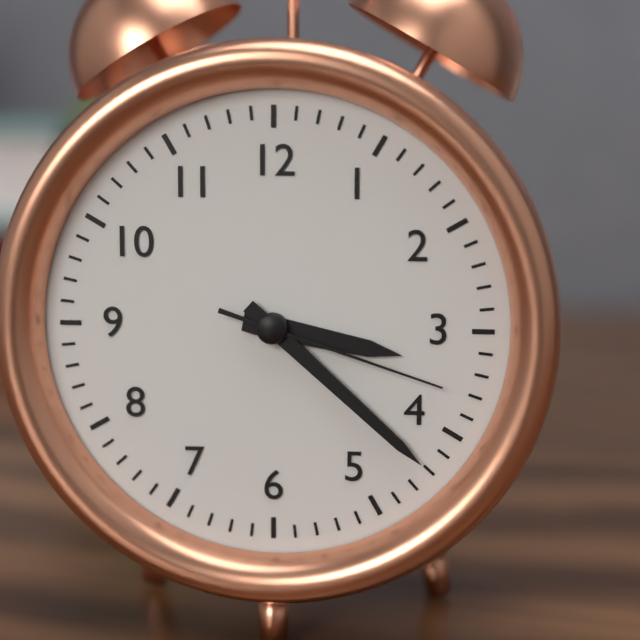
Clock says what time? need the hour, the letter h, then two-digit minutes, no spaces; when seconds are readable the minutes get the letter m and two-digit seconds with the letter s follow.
3h22m18s
